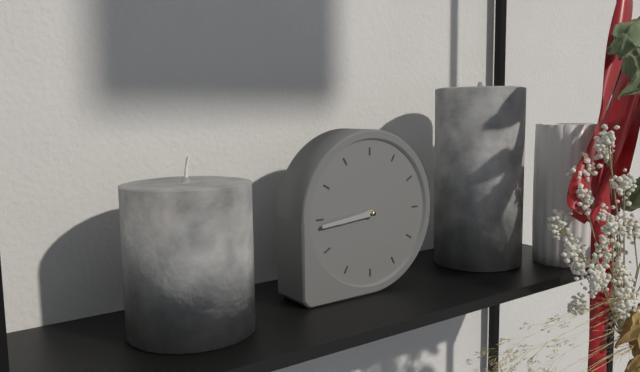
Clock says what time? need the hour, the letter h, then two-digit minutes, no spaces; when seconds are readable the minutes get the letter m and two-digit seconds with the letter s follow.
8h44
